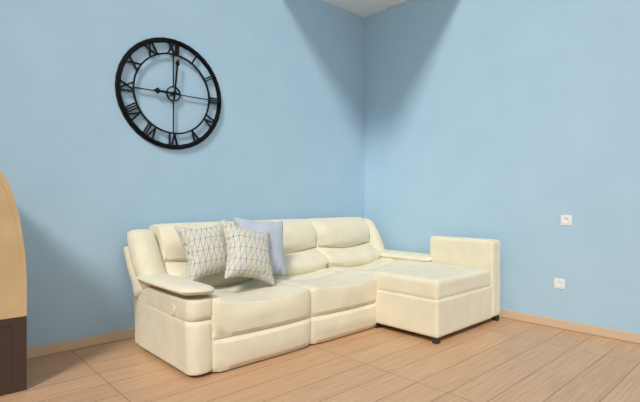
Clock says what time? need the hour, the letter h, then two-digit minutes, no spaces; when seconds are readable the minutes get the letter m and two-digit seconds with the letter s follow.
9h01
